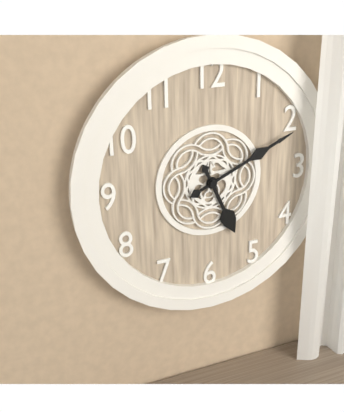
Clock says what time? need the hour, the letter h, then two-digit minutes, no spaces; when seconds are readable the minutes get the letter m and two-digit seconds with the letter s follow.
5h11
